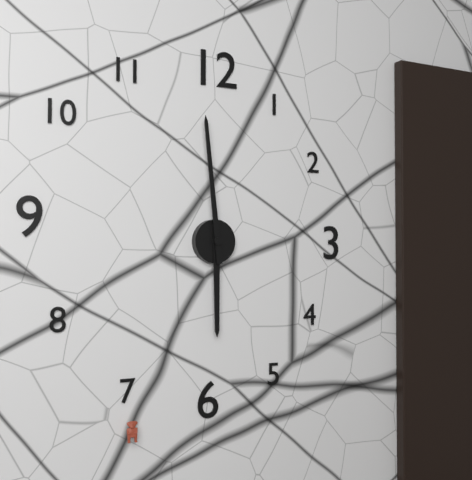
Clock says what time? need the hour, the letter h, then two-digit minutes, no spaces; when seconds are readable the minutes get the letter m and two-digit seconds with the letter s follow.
5h59
